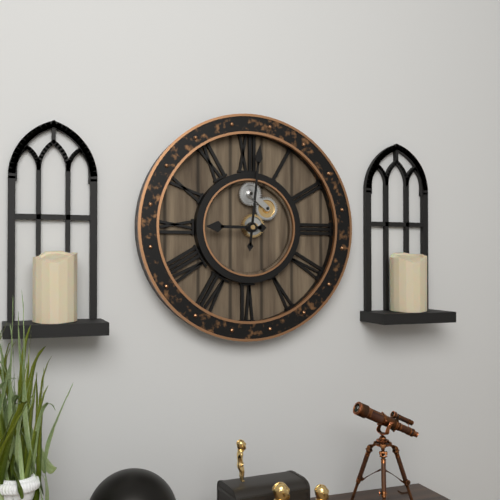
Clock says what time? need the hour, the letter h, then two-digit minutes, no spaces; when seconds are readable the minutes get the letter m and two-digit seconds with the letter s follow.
9h01
